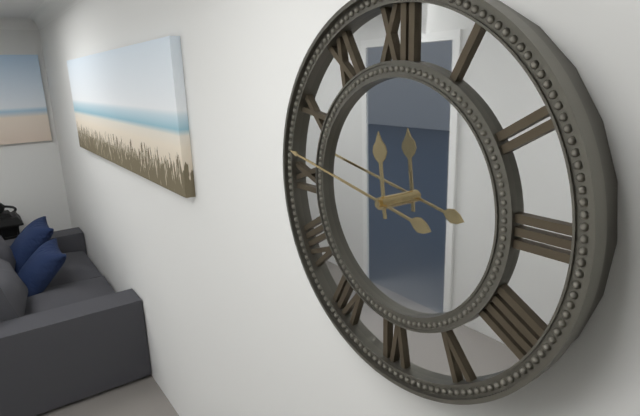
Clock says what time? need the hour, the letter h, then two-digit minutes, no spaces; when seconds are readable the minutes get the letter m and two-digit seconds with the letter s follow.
11h47
